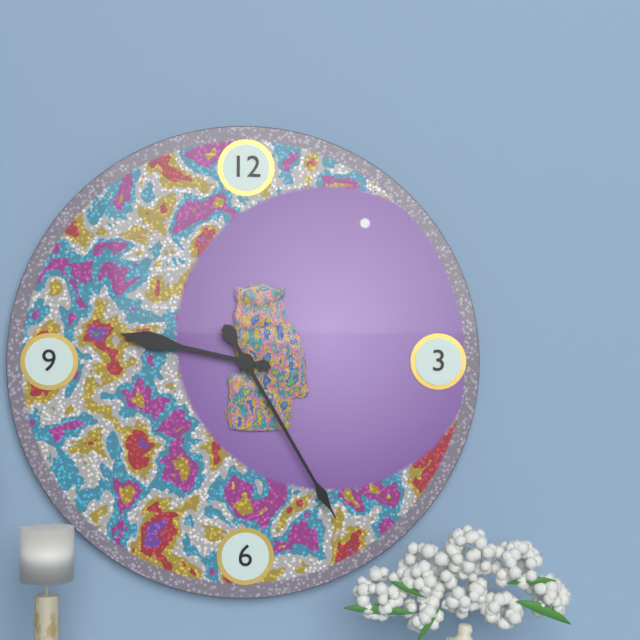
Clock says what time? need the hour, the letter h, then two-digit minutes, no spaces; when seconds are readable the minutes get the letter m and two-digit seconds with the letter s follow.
9h25
